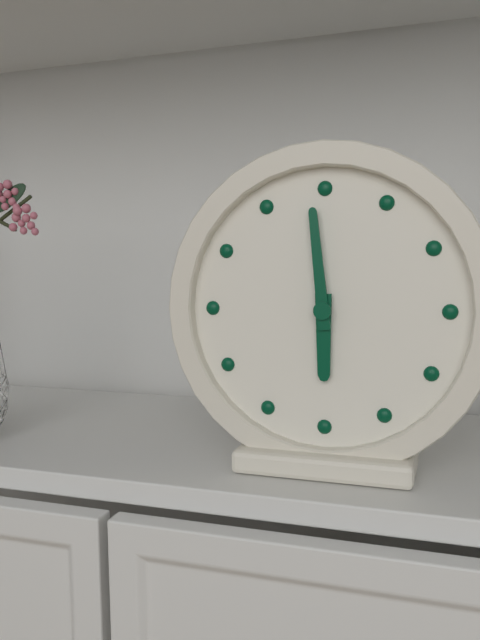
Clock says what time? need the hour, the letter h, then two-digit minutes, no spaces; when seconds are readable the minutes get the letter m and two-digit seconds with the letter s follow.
5h59
